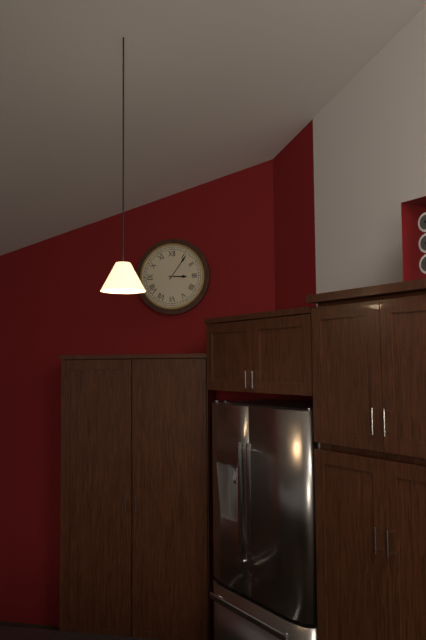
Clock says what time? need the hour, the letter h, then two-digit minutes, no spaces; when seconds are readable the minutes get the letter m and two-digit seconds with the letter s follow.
3h06
